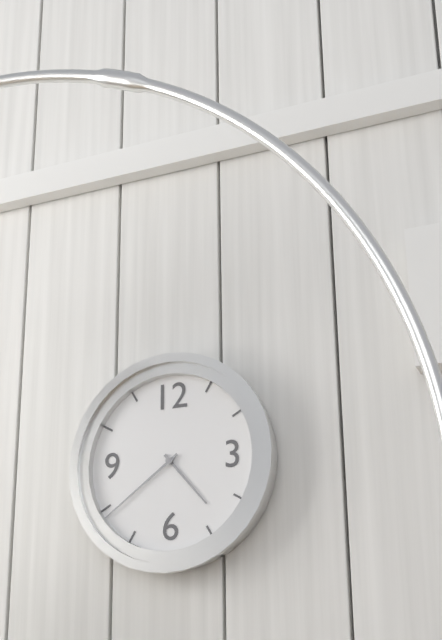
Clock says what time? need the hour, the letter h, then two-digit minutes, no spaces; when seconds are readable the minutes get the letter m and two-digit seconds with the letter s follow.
4h39
